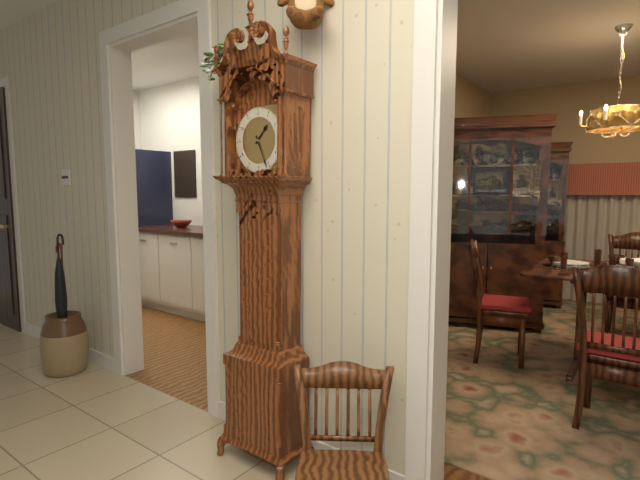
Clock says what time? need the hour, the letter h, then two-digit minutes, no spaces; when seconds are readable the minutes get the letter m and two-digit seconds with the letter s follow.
1h26
